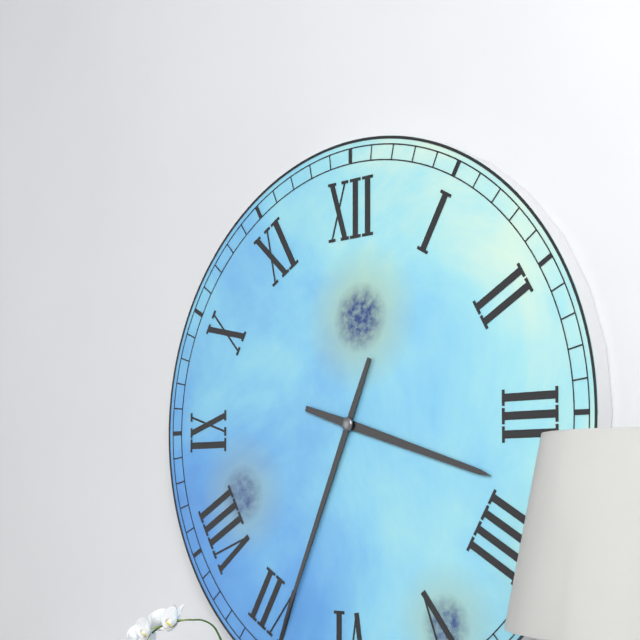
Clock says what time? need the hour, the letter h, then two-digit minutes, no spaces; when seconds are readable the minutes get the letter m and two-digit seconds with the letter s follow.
3h34
